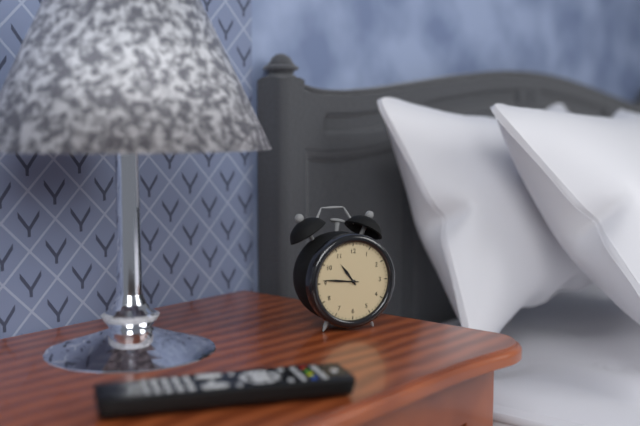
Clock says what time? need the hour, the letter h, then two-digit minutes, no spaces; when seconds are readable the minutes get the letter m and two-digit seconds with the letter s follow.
10h46
